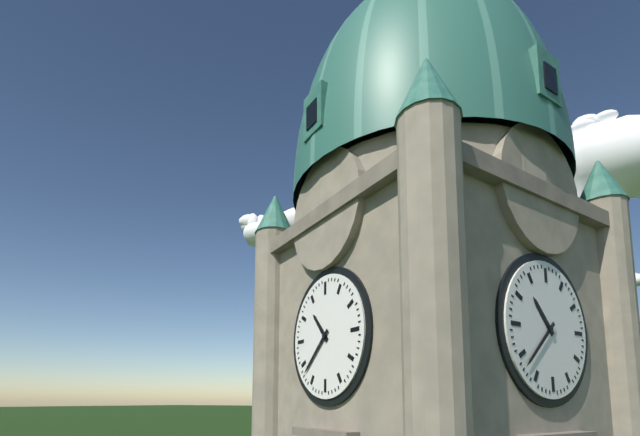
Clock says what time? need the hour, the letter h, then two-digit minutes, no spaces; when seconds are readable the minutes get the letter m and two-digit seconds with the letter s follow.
10h38
